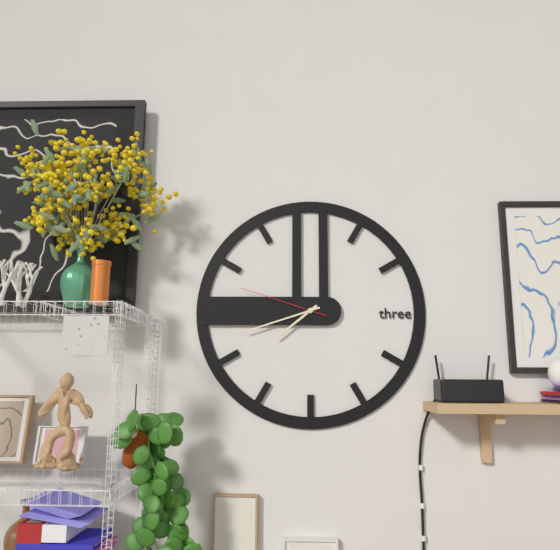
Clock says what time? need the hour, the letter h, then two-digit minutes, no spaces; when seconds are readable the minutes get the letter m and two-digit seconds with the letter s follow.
7h42m48s
